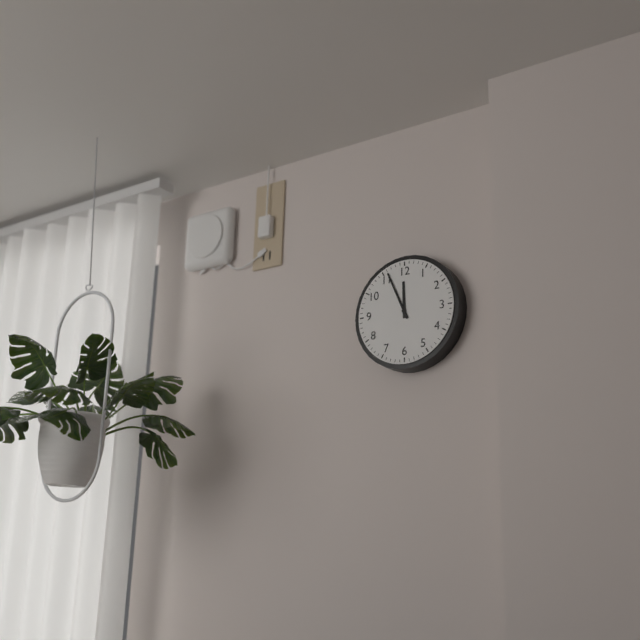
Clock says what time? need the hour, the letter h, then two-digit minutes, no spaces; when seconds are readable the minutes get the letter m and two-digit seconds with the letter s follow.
11h56
